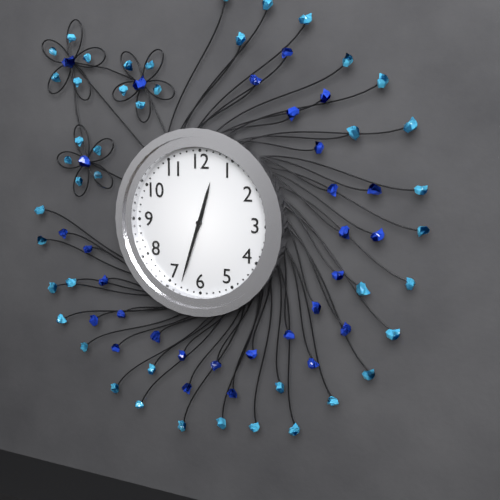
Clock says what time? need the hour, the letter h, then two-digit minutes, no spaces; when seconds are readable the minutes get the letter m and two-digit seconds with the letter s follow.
12h33
